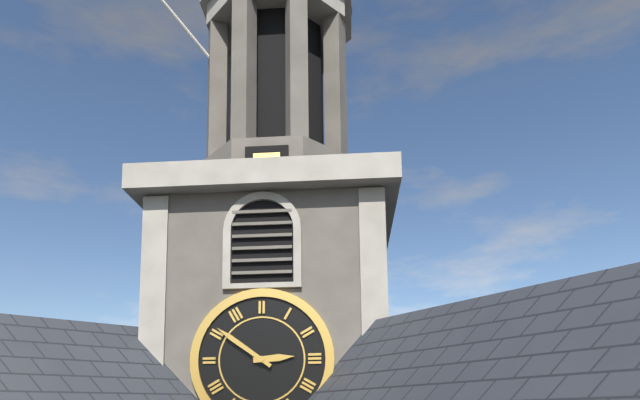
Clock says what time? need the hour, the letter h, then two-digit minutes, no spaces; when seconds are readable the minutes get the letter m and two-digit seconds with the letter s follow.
2h51
